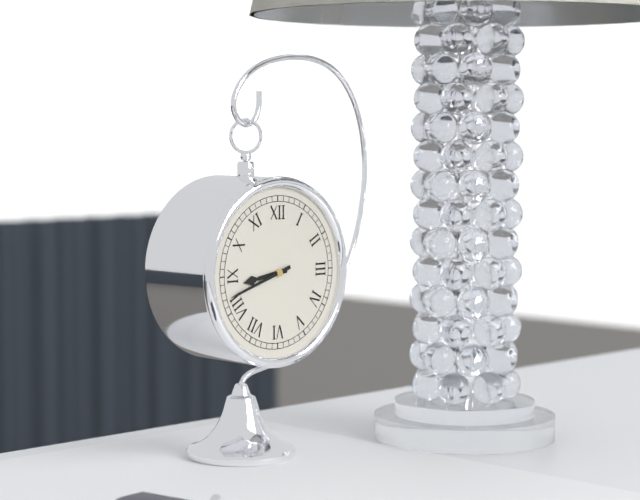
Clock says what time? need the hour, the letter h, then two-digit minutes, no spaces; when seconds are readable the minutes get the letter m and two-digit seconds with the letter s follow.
8h42
